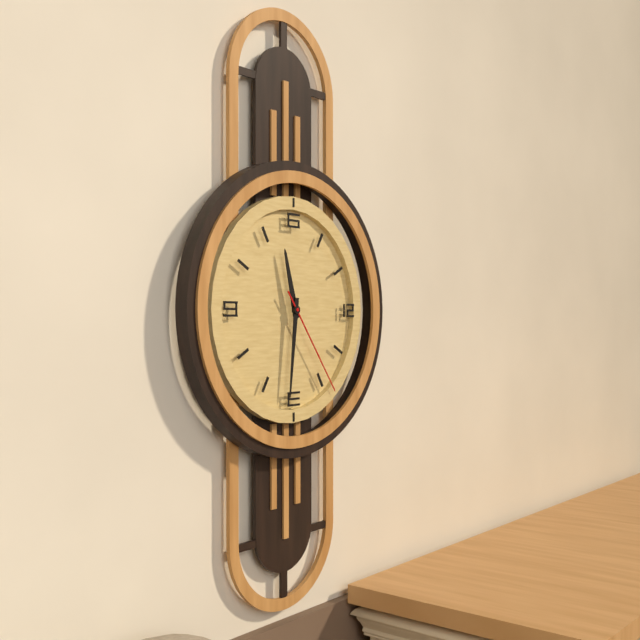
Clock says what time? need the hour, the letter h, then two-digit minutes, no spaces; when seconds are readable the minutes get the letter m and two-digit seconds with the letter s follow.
11h31m24s
